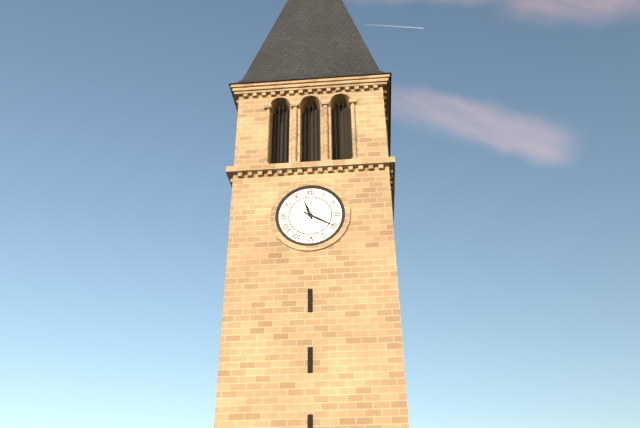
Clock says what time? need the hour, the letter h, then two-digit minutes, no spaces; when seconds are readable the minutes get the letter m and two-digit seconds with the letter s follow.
11h20
